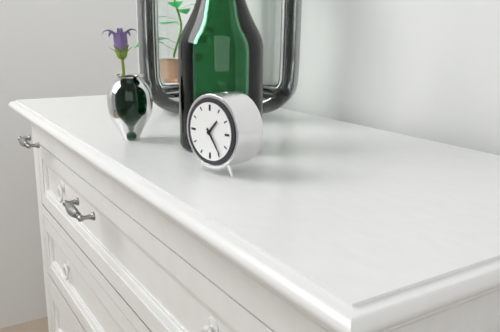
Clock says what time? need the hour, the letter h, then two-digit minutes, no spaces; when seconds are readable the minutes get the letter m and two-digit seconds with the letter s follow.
1h24
